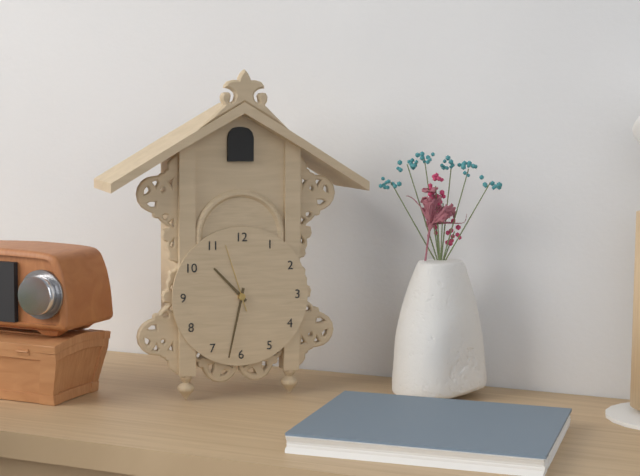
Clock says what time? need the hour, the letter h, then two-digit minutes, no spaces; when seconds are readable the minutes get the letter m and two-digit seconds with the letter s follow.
10h32m57s
